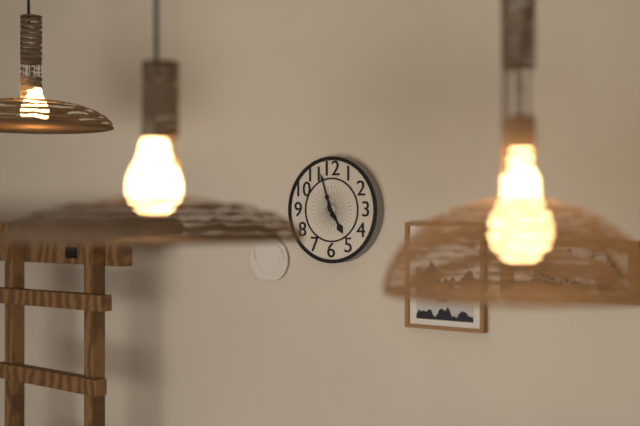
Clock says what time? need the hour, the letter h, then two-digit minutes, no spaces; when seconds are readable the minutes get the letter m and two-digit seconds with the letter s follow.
4h57
